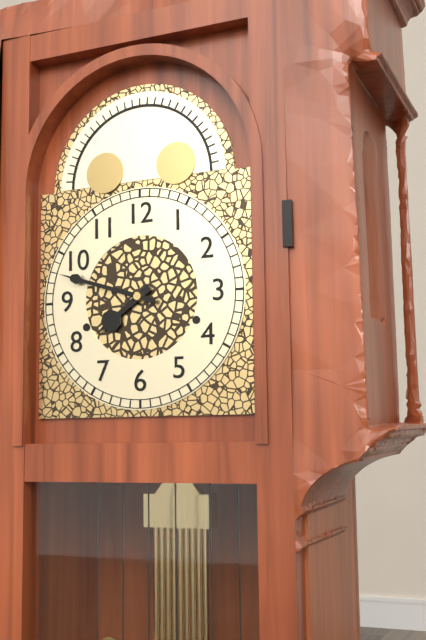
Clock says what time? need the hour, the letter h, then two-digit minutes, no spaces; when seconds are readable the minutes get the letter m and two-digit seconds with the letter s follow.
7h48
